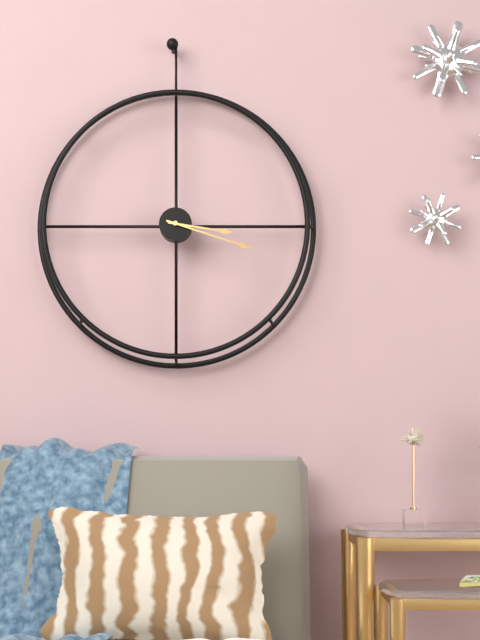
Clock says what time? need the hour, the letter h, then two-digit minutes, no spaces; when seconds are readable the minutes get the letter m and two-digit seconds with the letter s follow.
3h18
